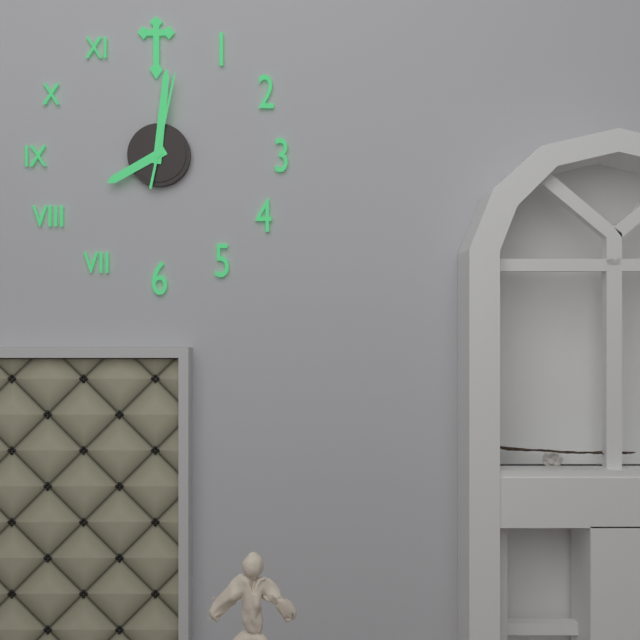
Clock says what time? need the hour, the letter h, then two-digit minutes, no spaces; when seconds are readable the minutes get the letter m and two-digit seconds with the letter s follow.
8h01m02s
